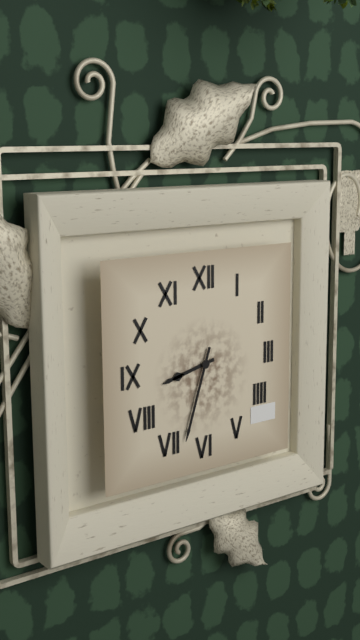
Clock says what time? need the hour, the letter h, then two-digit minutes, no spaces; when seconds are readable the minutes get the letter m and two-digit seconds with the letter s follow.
8h33
